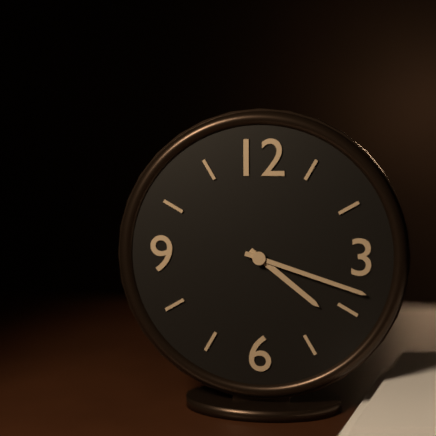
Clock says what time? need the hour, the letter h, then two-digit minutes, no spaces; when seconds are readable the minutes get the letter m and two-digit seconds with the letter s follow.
4h18
